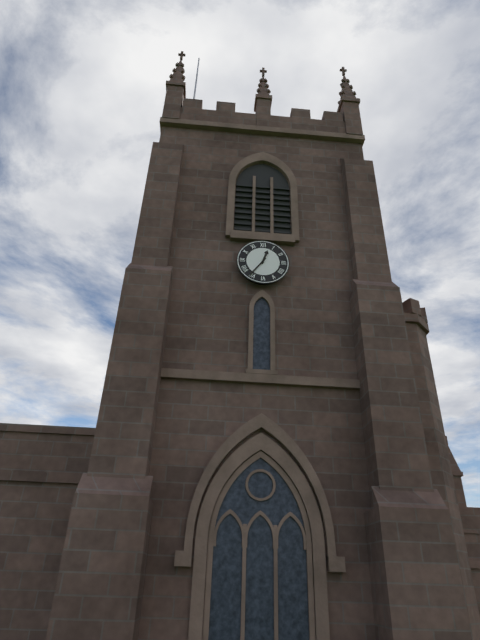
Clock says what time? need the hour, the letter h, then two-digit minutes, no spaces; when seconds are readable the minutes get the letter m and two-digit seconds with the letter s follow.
12h36
